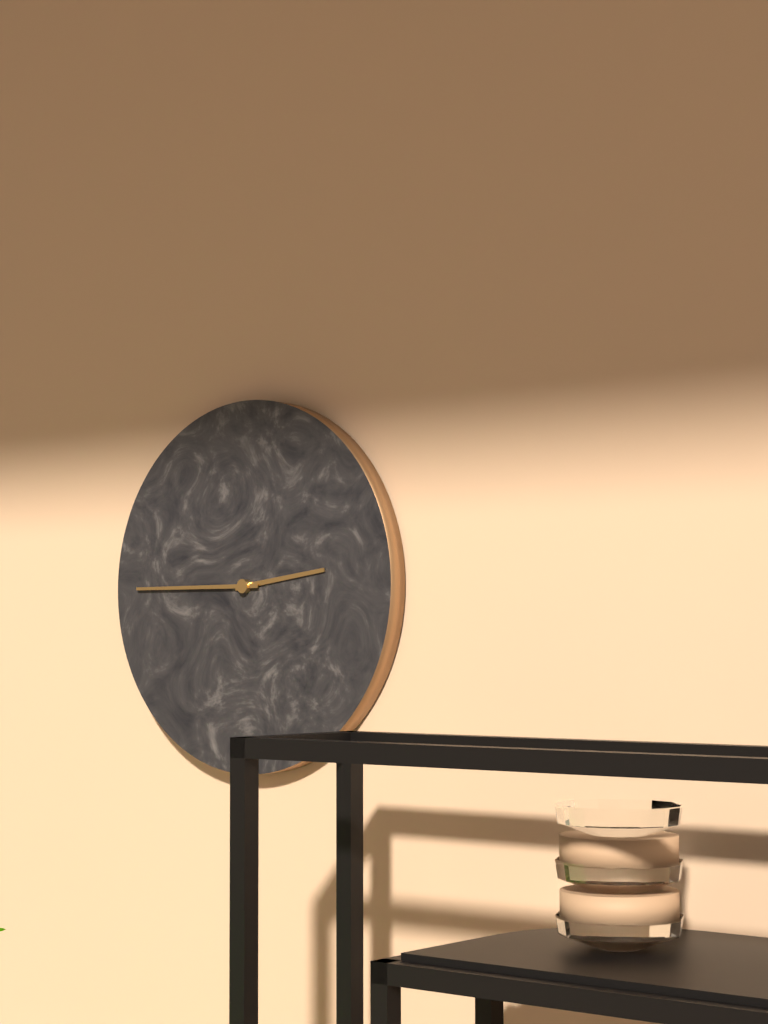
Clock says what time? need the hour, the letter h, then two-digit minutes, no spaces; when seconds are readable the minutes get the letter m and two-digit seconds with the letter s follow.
2h45
